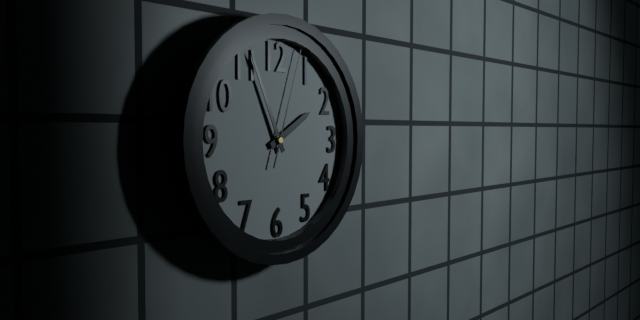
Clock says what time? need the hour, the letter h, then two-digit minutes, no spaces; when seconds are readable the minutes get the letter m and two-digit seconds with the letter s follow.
1h56m03s
